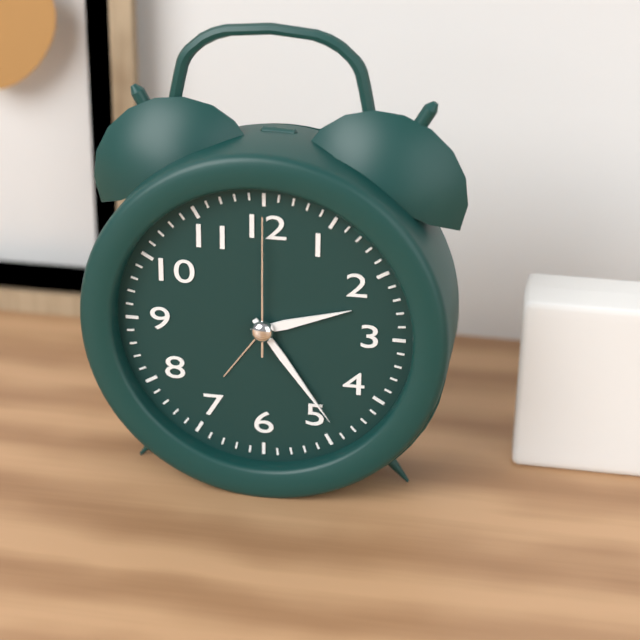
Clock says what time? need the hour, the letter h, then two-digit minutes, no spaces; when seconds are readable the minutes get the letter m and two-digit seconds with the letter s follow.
2h24m00s
